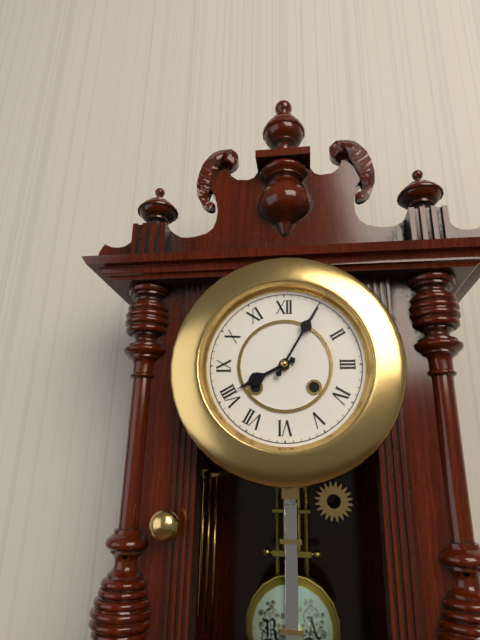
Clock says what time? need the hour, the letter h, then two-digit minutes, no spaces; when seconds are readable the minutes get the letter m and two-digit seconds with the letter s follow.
8h05
